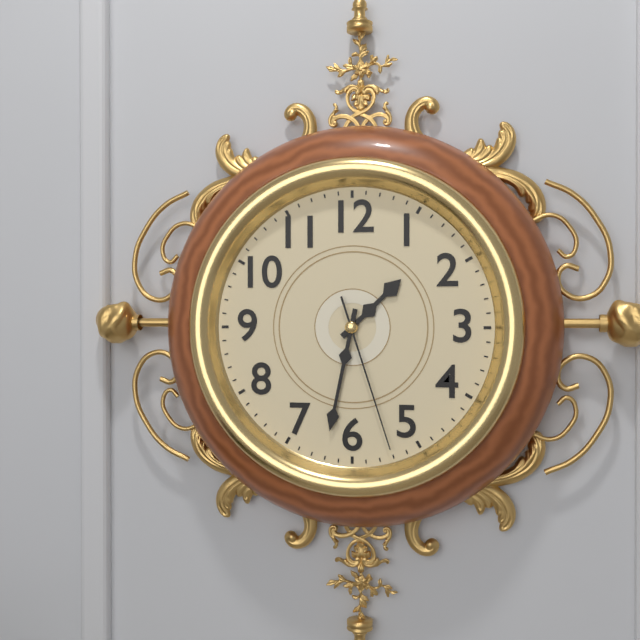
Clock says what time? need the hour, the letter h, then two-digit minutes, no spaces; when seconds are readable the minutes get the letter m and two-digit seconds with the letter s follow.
1h32m27s
